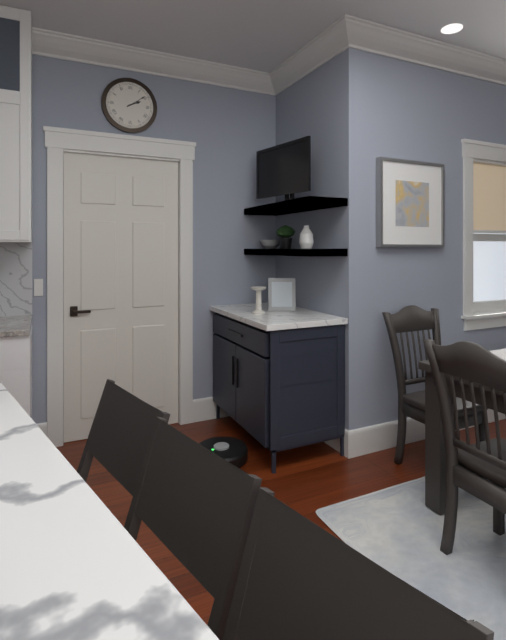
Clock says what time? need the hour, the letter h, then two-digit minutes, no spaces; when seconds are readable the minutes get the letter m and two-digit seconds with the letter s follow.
2h09
